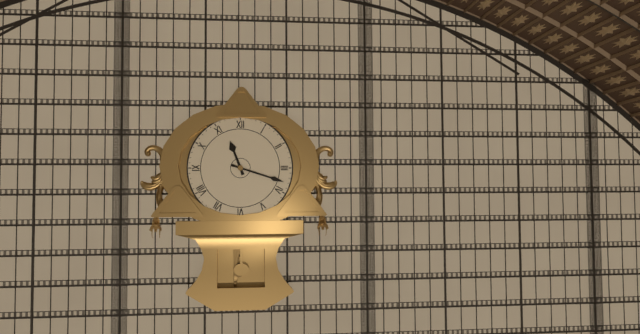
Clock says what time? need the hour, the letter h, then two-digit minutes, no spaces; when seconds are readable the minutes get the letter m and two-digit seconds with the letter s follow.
11h18
